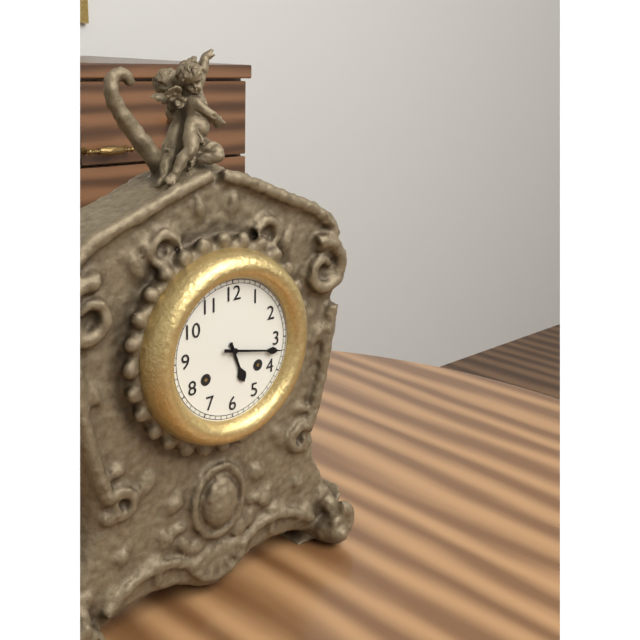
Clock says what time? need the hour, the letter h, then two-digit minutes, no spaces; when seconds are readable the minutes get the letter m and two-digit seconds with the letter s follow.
5h17
